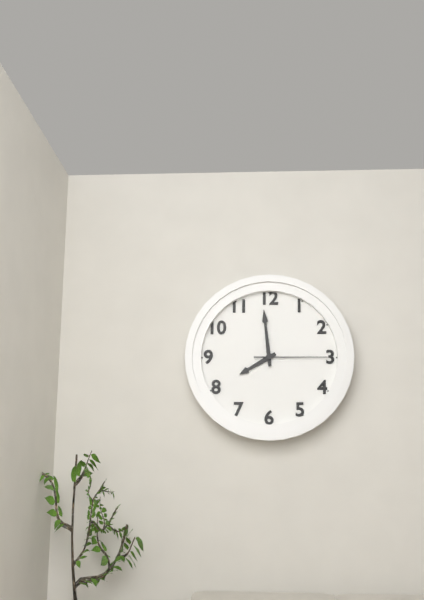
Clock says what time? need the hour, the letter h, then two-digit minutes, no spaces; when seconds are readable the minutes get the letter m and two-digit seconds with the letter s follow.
7h59m15s
